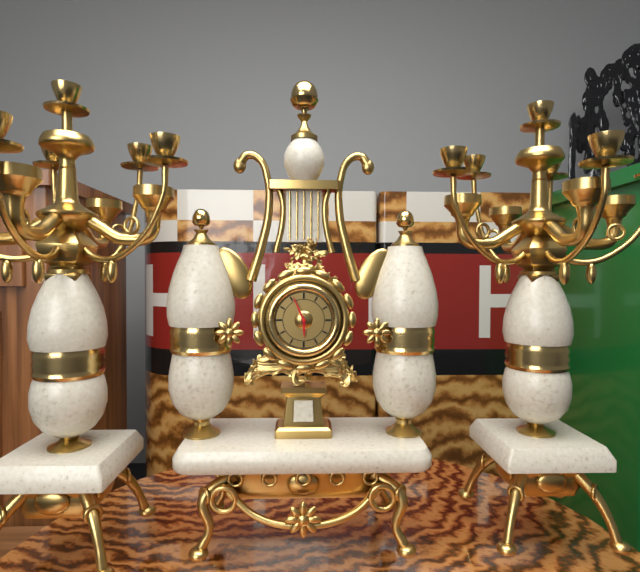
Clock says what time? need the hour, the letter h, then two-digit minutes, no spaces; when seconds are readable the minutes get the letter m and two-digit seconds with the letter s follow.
5h56
